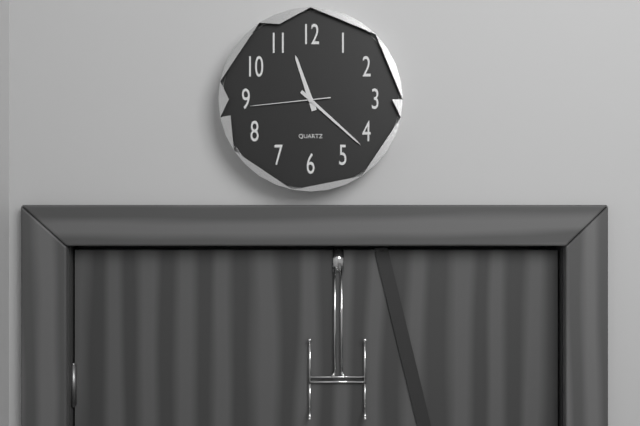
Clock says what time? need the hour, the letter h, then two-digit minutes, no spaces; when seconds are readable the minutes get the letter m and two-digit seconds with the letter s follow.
11h22m44s
